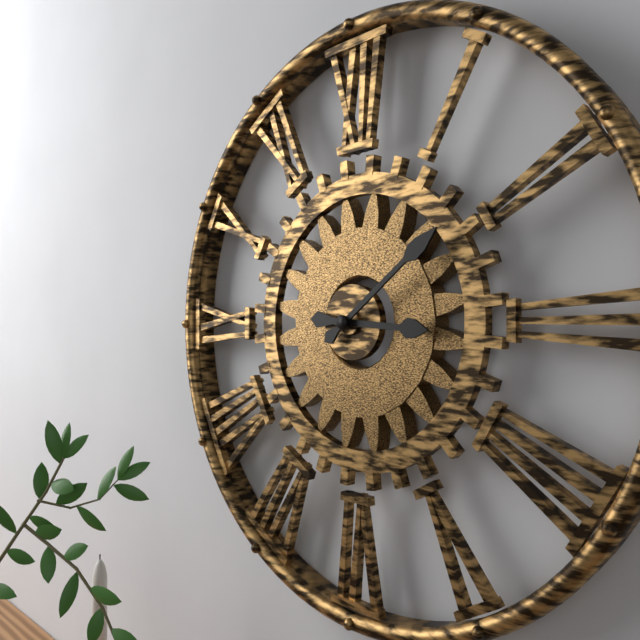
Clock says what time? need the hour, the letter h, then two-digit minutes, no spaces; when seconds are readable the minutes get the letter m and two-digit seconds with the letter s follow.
3h09
